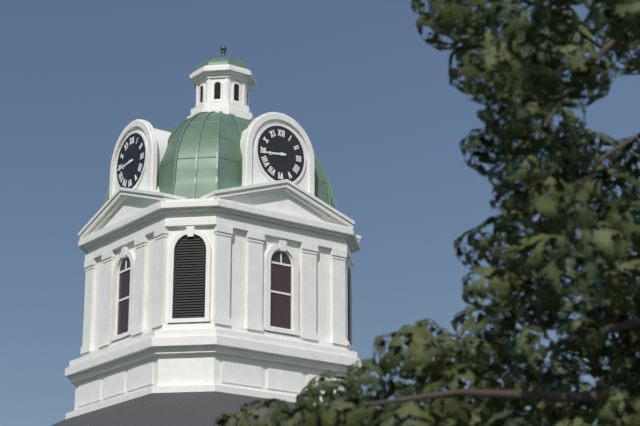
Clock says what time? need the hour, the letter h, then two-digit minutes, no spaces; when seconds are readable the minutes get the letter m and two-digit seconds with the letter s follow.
8h44
